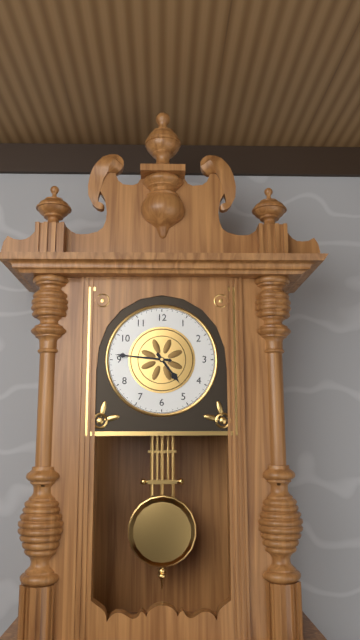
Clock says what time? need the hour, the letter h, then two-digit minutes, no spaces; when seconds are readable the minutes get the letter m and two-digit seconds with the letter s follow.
4h46
